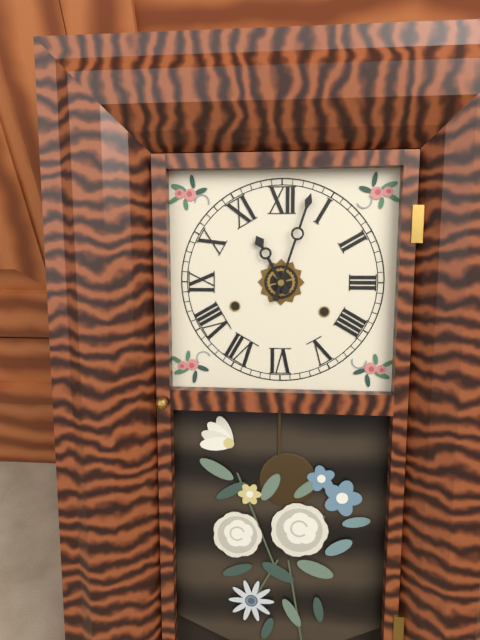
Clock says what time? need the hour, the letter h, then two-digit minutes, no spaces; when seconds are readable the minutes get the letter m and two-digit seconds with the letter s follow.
11h03
